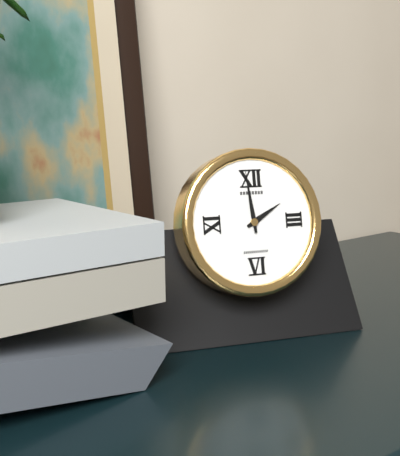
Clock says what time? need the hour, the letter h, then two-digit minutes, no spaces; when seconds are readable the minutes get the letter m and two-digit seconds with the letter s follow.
1h59
